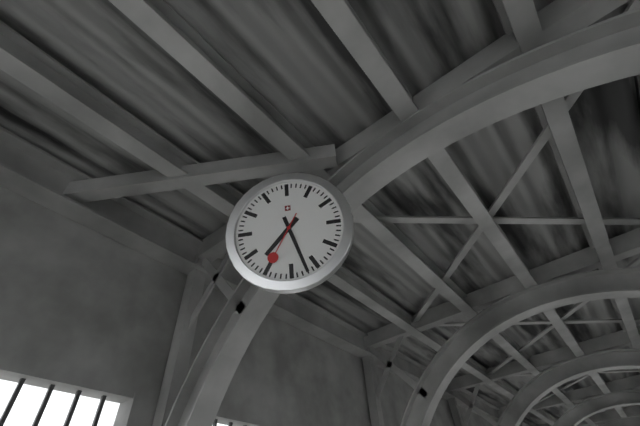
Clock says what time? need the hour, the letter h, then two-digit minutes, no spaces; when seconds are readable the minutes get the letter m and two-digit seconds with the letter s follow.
7h27m35s
